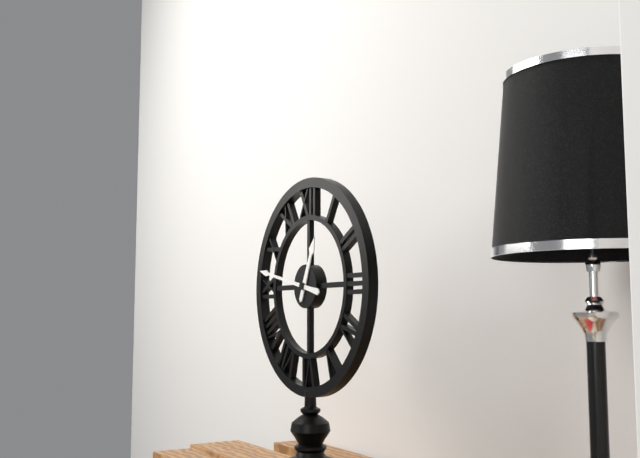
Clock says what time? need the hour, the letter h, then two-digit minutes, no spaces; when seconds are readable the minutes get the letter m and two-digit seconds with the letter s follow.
12h47
